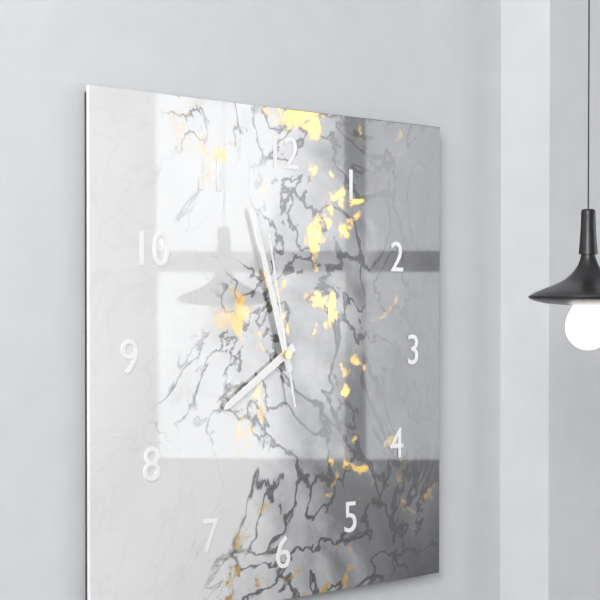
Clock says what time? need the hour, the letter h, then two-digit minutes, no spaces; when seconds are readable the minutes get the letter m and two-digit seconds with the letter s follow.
7h57m58s
